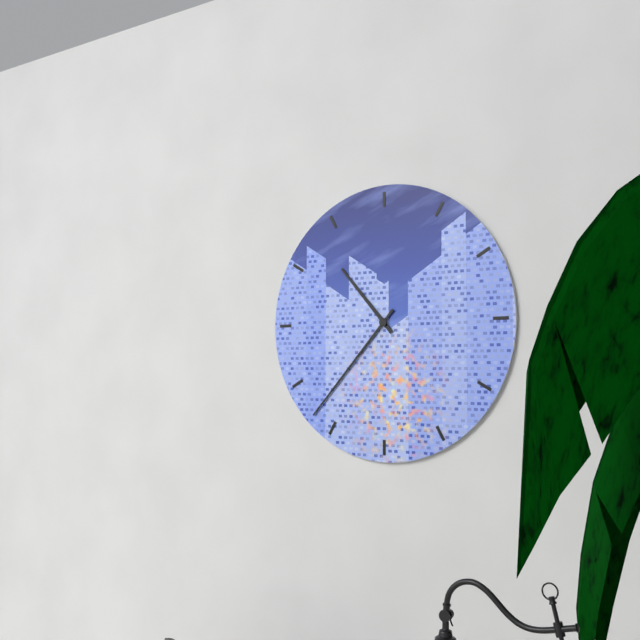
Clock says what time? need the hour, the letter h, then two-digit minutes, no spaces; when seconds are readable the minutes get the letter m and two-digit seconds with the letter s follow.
10h37
